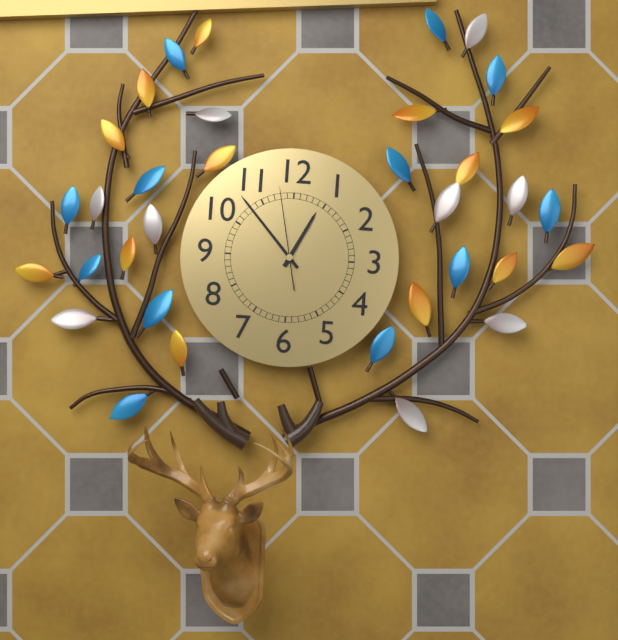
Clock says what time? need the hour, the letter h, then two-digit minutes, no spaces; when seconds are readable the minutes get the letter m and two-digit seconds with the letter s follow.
12h53m58s
